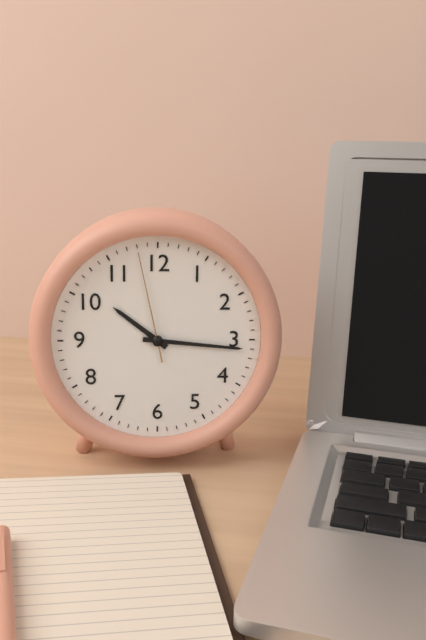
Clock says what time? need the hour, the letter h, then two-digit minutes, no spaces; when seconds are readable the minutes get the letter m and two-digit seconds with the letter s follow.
10h16m58s
